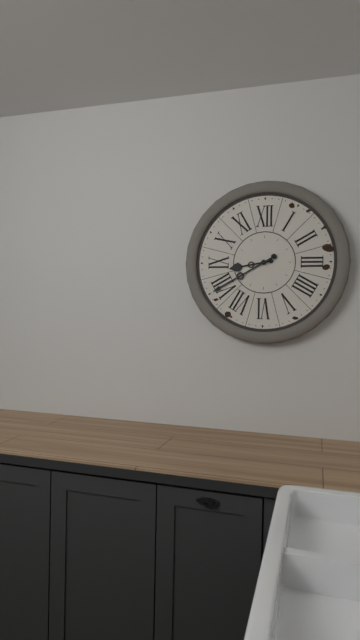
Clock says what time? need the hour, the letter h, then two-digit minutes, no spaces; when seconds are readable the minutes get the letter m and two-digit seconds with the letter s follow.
8h40
